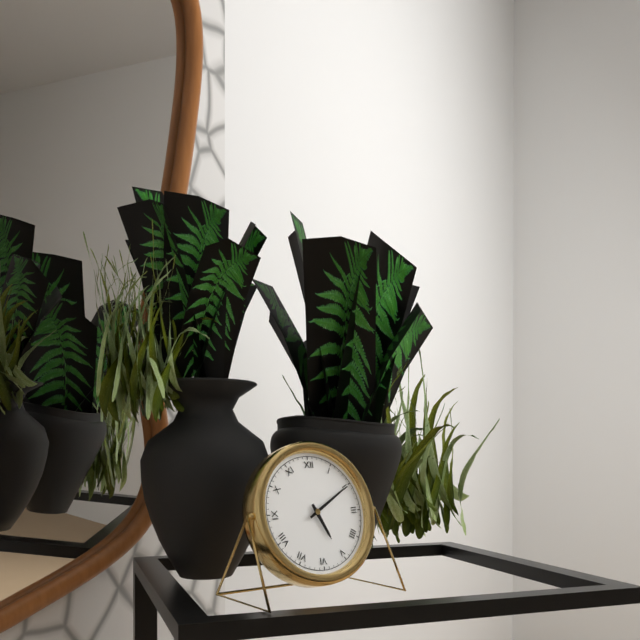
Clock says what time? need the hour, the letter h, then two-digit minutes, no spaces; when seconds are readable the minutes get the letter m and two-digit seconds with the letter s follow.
5h10
